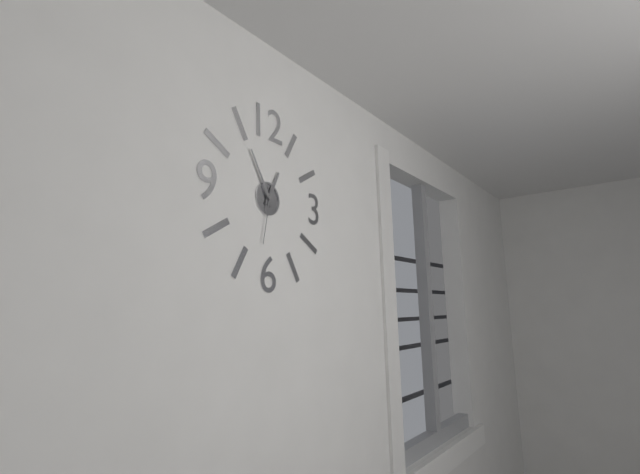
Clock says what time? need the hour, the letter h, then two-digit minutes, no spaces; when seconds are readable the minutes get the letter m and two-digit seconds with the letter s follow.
12h55m32s
